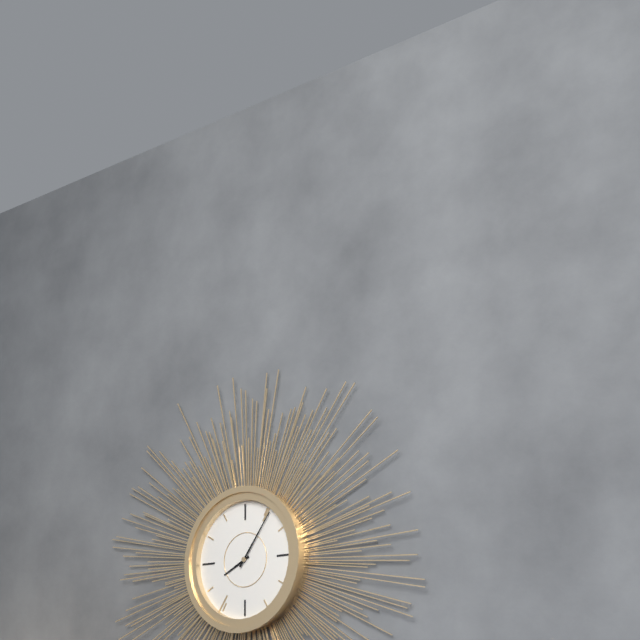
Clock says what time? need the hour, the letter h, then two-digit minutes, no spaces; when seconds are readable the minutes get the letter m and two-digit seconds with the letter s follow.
8h06
